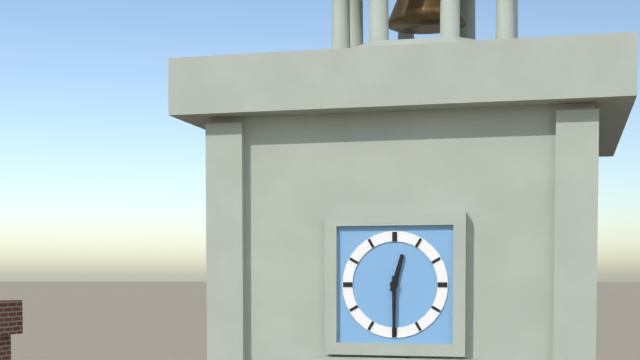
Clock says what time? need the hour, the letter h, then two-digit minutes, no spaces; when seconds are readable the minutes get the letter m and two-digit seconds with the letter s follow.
12h30
